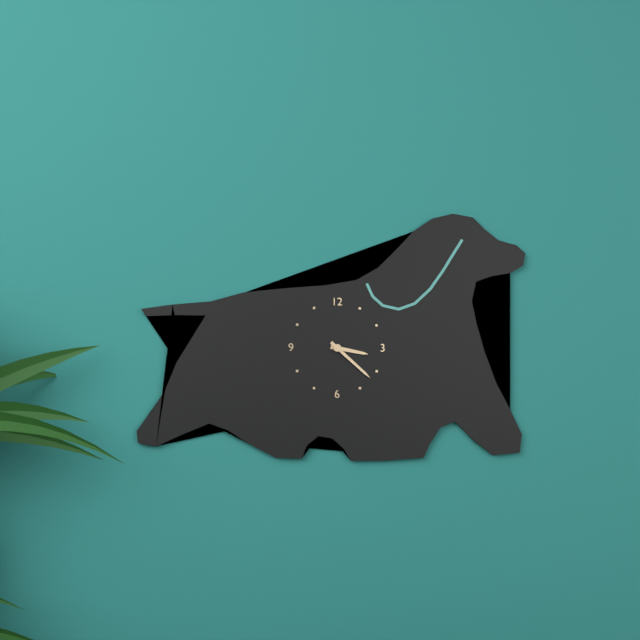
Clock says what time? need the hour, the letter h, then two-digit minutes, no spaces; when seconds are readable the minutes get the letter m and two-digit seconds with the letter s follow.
3h22
